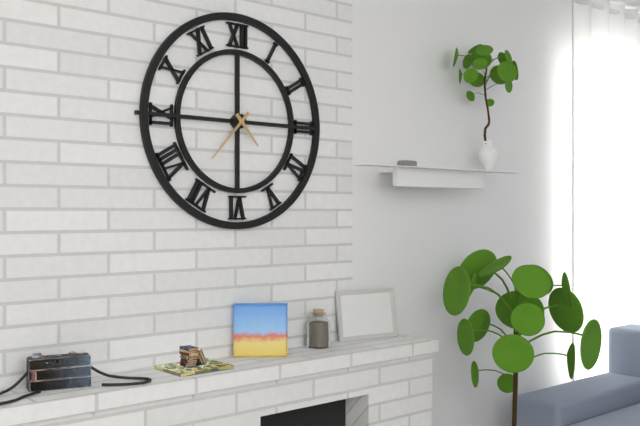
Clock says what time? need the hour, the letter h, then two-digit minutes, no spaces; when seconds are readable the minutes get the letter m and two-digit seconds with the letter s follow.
4h37
